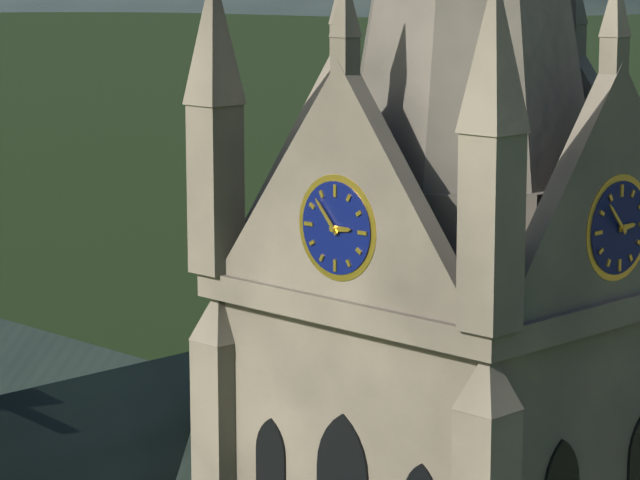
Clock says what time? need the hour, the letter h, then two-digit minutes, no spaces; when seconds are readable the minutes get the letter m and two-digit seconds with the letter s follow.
2h53
